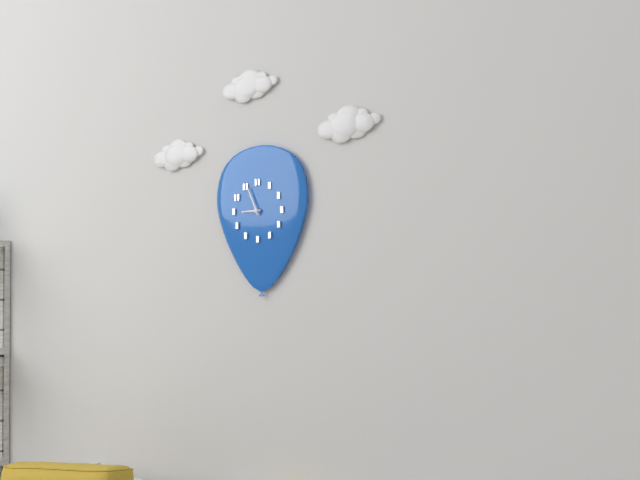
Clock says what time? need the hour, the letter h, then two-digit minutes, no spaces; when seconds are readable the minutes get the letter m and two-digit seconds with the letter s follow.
8h56
